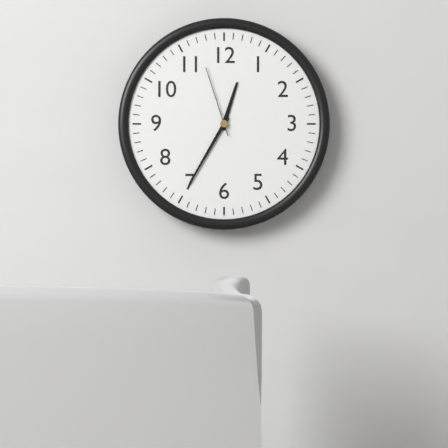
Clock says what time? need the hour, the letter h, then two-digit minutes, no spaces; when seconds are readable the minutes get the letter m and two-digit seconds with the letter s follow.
12h35m57s
